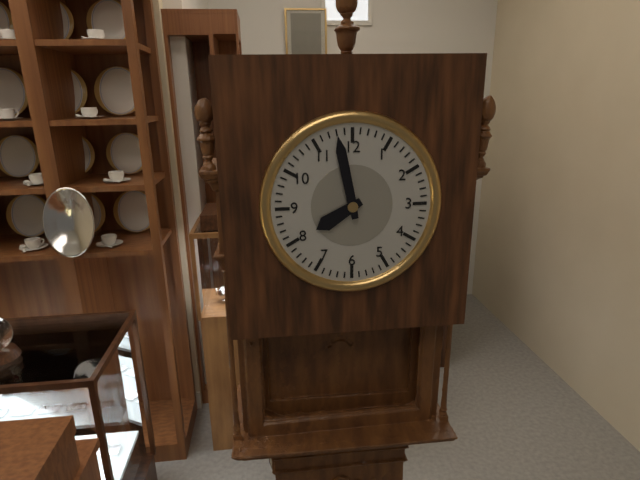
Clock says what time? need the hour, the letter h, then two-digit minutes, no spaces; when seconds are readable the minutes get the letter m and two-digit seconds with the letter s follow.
7h58
